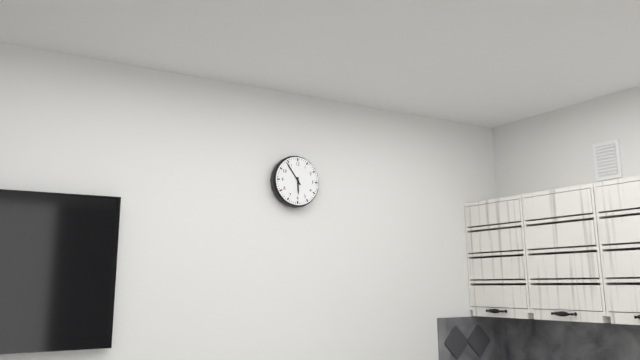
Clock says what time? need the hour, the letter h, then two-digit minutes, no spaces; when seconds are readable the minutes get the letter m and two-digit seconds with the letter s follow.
5h54
